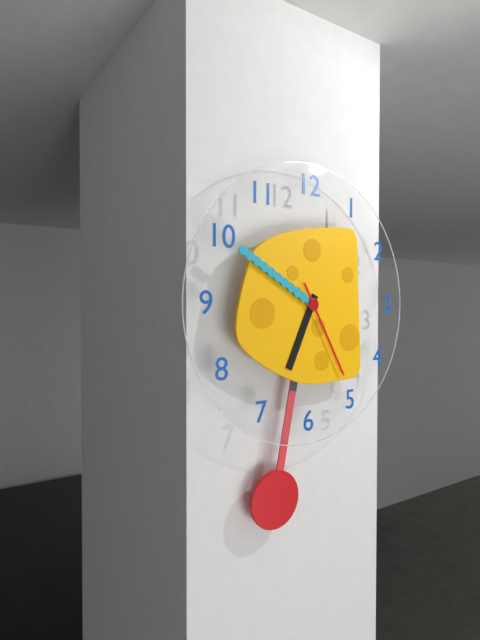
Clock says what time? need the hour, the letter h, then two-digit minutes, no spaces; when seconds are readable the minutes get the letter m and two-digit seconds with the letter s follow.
6h50m25s
